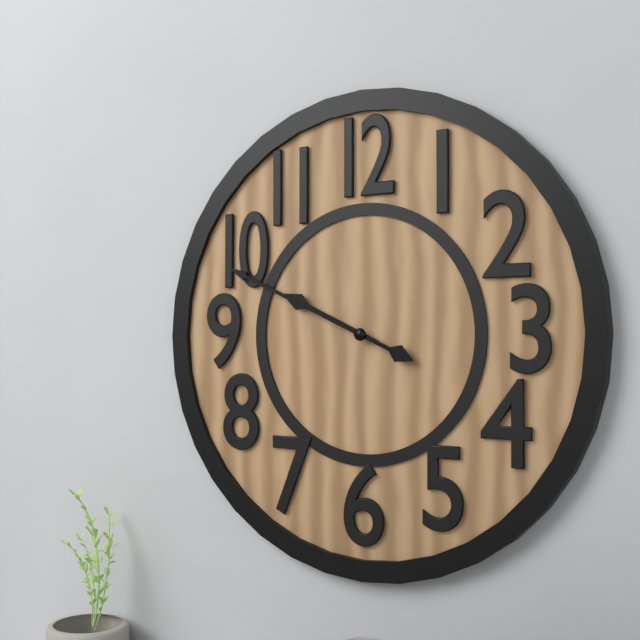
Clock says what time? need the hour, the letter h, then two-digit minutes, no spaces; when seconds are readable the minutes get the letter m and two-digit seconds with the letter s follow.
9h49
